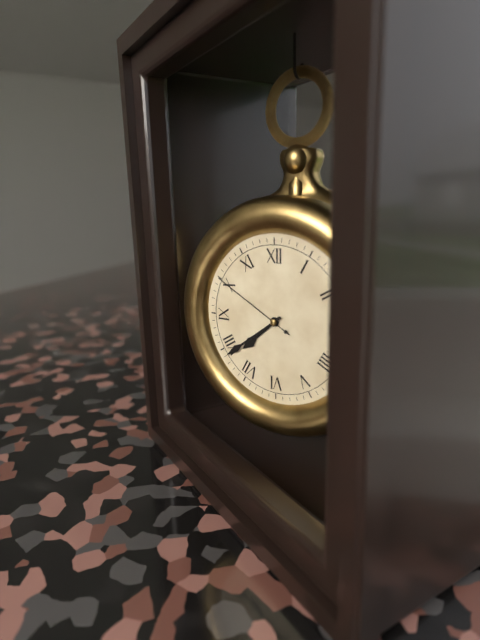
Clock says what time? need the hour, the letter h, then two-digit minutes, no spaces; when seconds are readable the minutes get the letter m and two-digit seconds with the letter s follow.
7h39m50s
